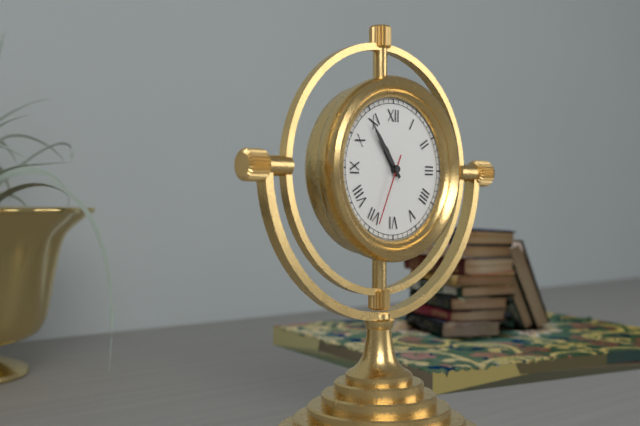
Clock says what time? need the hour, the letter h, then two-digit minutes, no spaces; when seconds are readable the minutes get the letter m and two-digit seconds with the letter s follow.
10h54m34s
